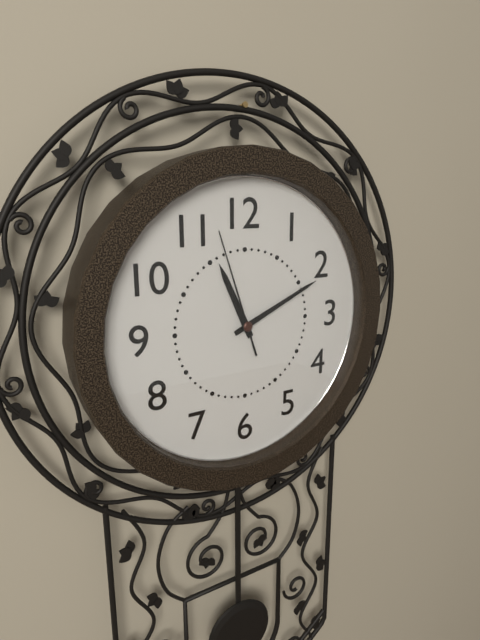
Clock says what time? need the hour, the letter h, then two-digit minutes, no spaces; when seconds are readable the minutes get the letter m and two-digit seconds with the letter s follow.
11h11m57s
